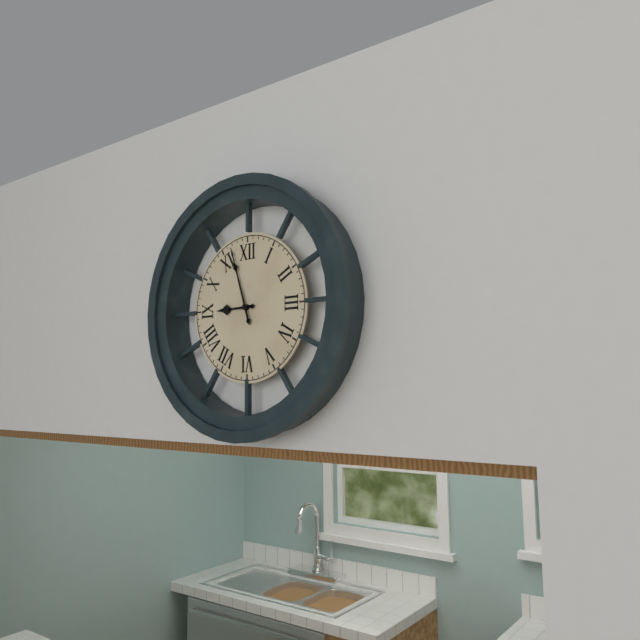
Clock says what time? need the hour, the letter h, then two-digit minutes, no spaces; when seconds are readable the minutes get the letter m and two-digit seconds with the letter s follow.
8h57
